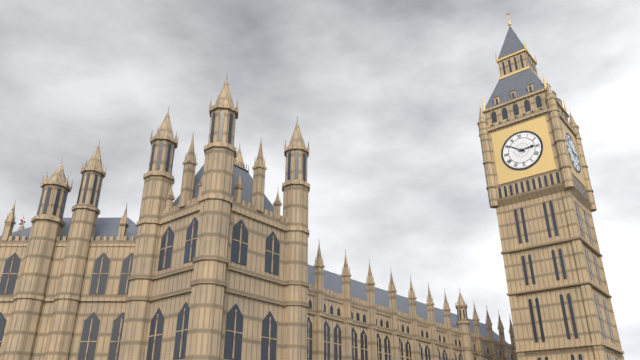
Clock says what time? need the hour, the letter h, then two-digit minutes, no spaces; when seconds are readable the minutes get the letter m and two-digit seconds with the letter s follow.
2h51
